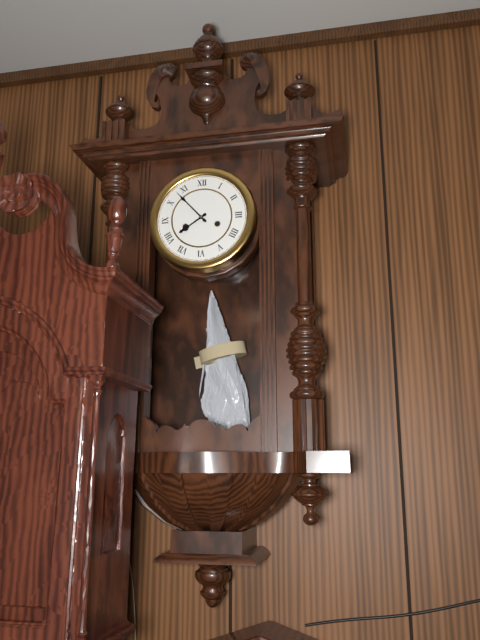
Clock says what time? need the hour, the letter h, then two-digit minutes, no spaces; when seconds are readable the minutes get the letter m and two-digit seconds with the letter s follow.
7h53
